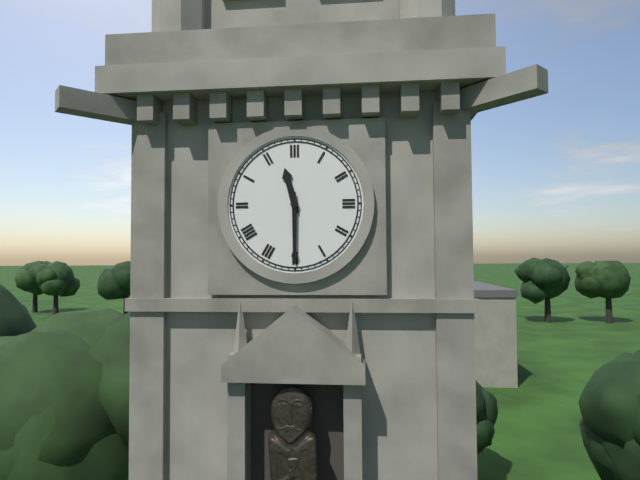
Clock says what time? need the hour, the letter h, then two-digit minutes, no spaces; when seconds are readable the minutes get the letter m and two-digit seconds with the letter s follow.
11h30
